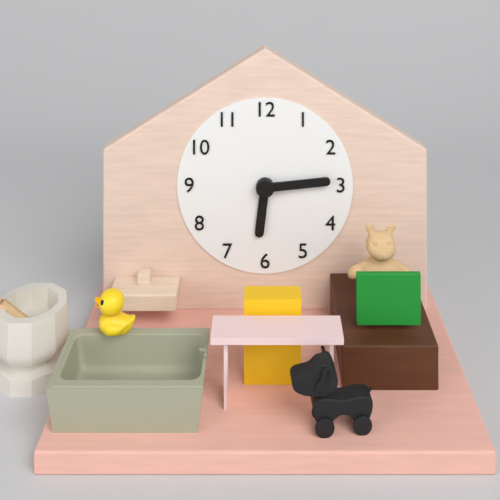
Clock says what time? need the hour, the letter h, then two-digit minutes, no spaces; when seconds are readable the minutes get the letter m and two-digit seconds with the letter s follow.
6h14
